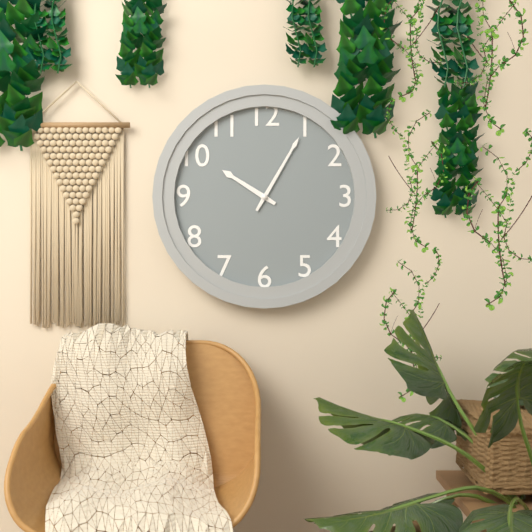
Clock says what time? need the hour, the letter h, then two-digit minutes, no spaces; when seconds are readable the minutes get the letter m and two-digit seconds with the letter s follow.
10h05
